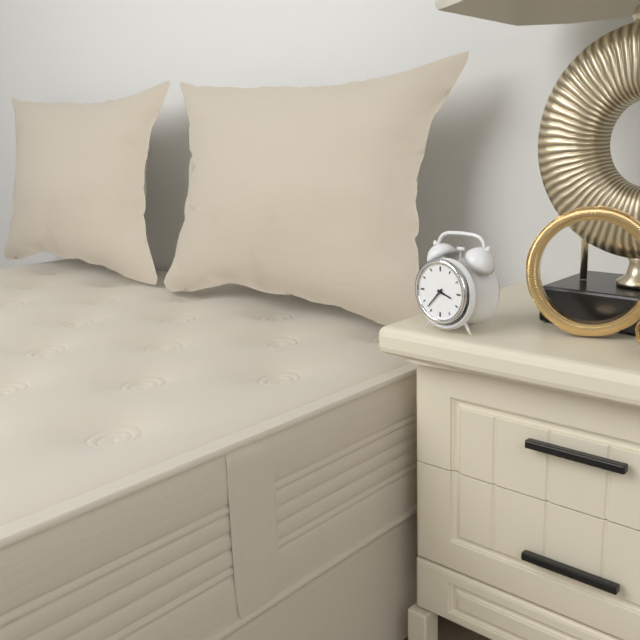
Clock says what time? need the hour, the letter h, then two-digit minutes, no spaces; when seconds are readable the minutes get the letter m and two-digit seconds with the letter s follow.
3h37
